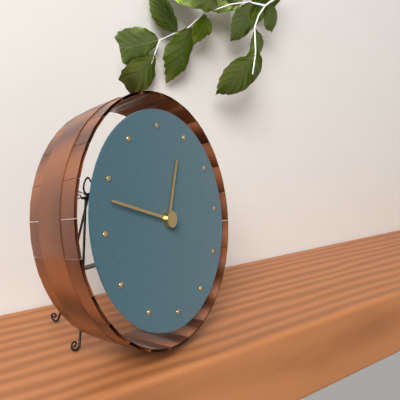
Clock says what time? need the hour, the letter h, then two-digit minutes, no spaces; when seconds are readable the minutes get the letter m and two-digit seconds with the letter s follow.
12h48
